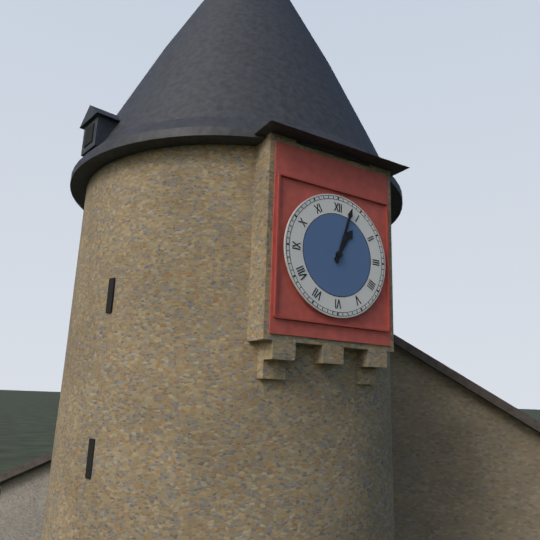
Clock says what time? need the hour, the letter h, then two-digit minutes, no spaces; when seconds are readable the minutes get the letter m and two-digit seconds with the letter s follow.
1h03
